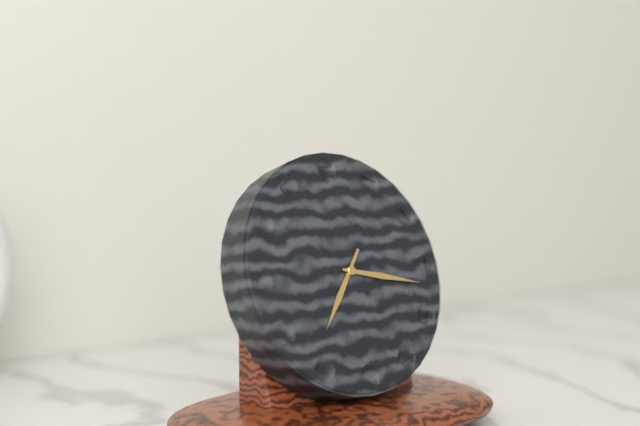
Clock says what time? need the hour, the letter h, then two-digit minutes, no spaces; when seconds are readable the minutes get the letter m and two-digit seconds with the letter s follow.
7h17
